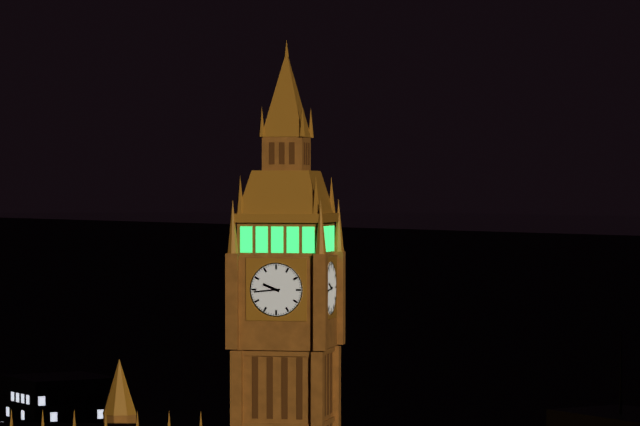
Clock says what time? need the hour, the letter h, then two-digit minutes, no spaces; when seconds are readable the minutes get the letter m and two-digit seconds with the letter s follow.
9h44
